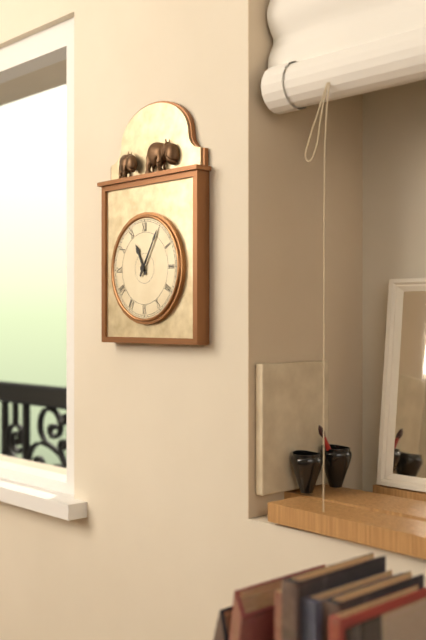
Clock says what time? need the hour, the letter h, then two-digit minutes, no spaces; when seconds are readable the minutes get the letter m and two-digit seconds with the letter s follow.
11h05
